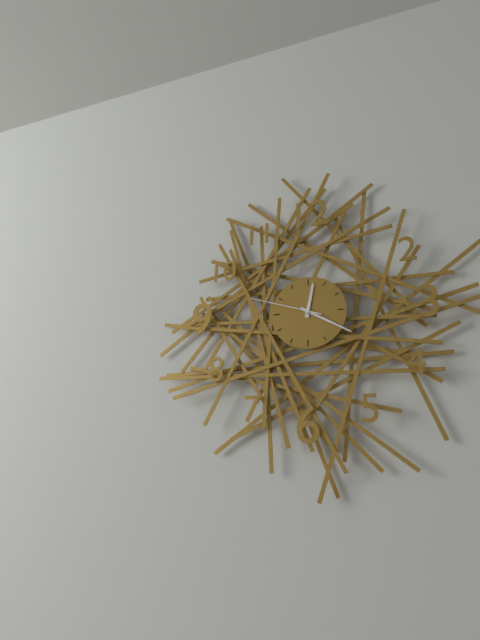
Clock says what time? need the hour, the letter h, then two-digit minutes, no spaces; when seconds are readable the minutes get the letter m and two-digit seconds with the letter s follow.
12h20m48s
